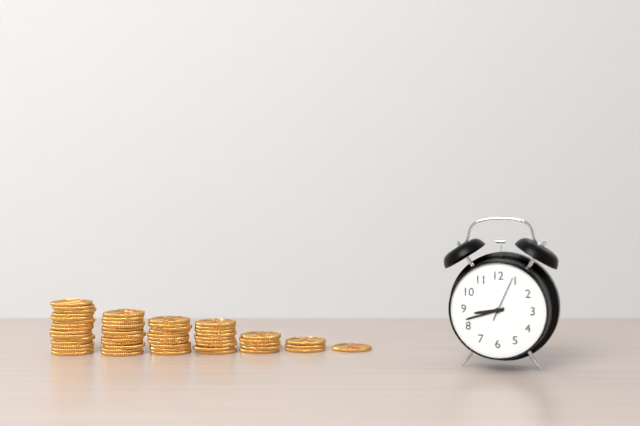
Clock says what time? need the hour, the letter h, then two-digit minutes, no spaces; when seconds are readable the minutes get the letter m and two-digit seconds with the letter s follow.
8h42
